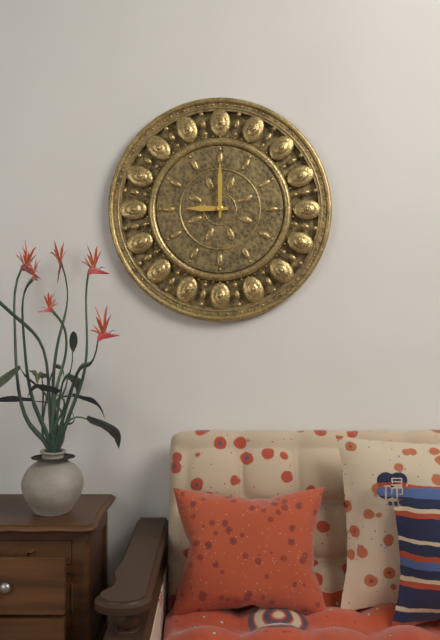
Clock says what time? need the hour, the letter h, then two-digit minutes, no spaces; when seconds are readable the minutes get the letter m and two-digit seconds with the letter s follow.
9h00
